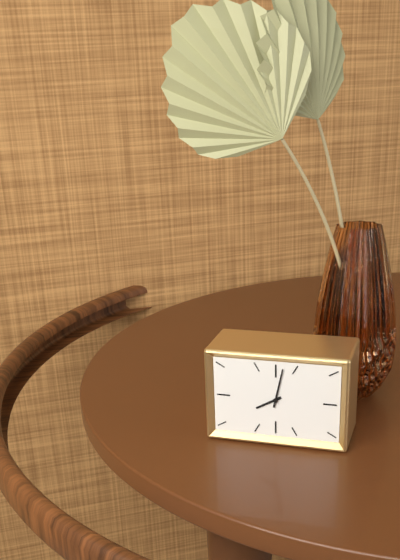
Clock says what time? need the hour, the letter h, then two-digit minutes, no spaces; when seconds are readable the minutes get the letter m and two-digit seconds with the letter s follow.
8h02
